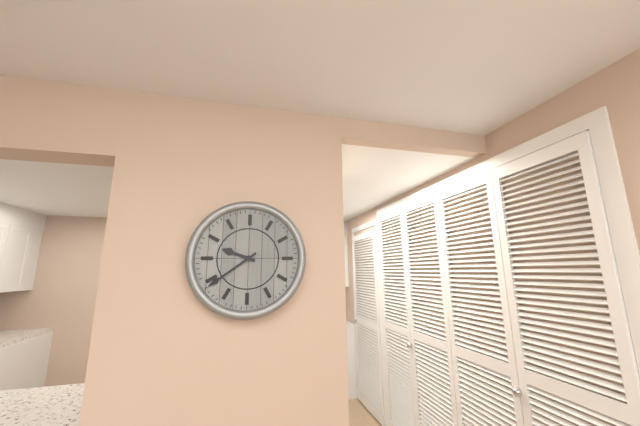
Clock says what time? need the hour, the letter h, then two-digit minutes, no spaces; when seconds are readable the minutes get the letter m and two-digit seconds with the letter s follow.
9h39
